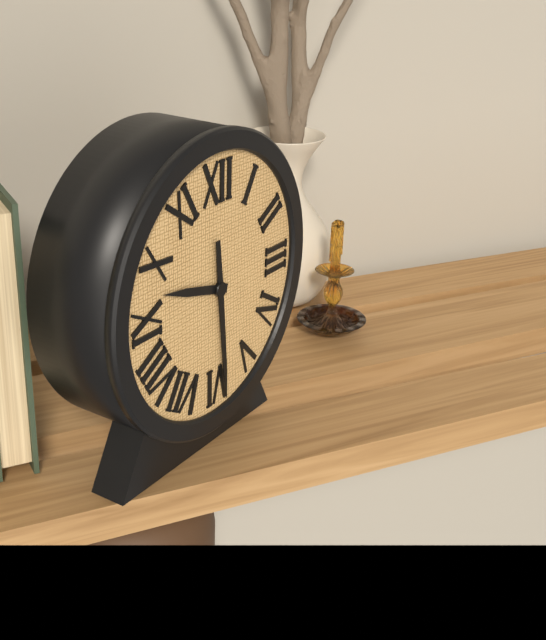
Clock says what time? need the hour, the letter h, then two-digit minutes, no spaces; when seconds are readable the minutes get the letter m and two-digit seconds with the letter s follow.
9h29
